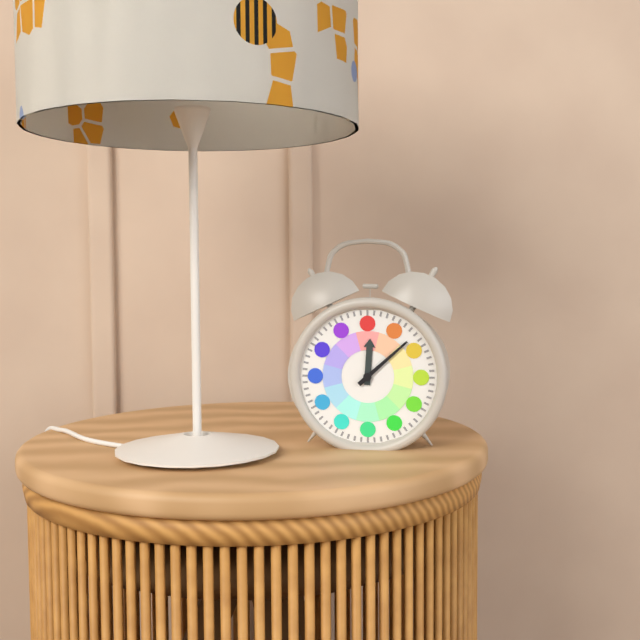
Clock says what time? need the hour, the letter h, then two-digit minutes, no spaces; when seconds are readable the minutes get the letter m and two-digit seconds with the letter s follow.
12h08
